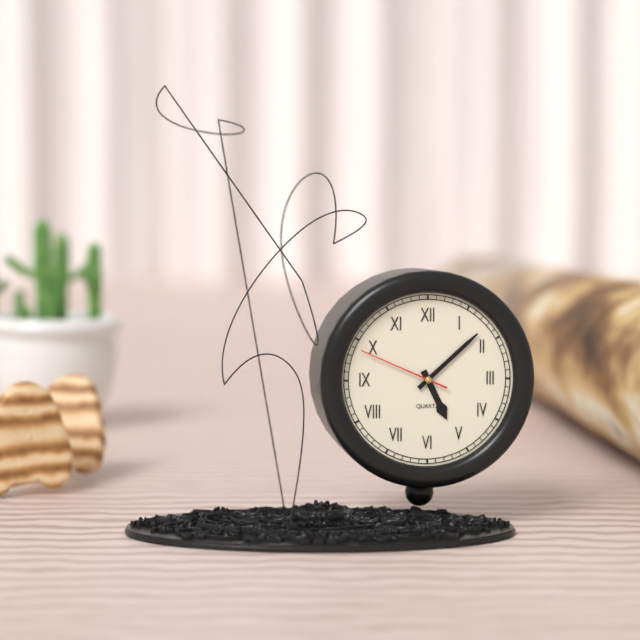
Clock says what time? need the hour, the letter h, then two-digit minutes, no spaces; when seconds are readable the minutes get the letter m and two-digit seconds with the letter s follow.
5h08m49s
